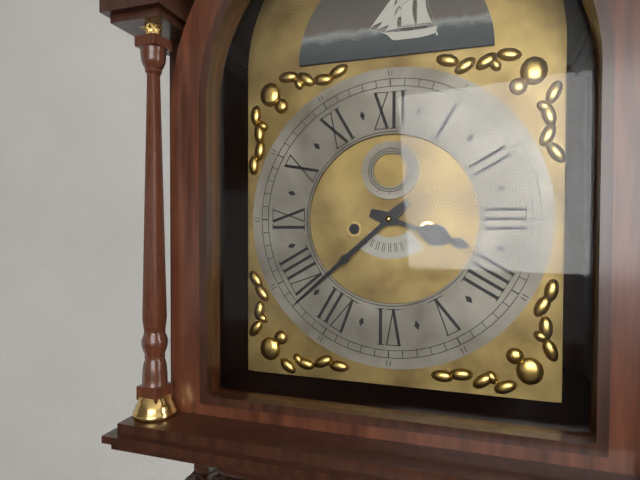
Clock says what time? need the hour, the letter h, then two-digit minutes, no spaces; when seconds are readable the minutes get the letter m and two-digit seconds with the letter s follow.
3h38
